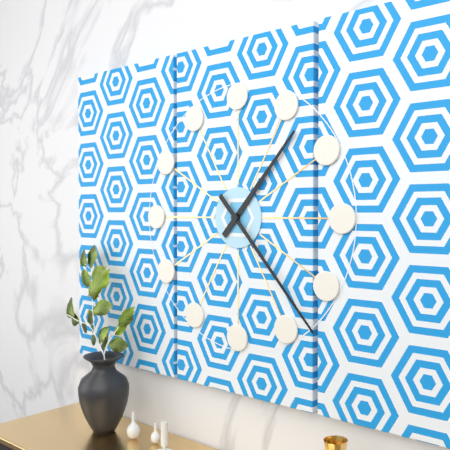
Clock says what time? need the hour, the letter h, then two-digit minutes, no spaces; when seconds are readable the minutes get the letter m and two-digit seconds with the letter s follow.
1h23
